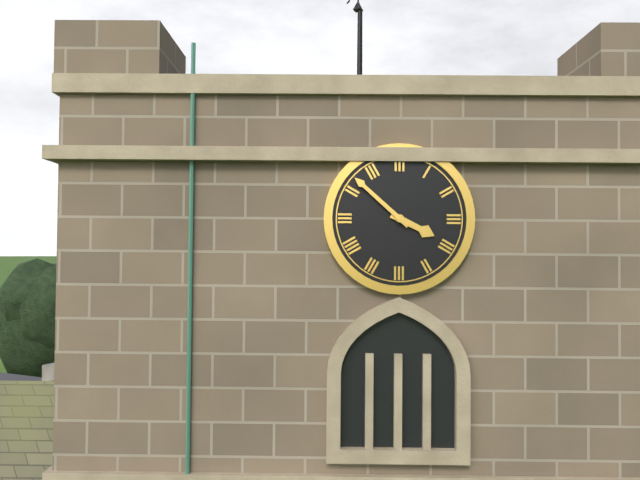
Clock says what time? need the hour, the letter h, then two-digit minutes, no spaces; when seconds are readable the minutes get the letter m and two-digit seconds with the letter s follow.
3h52
